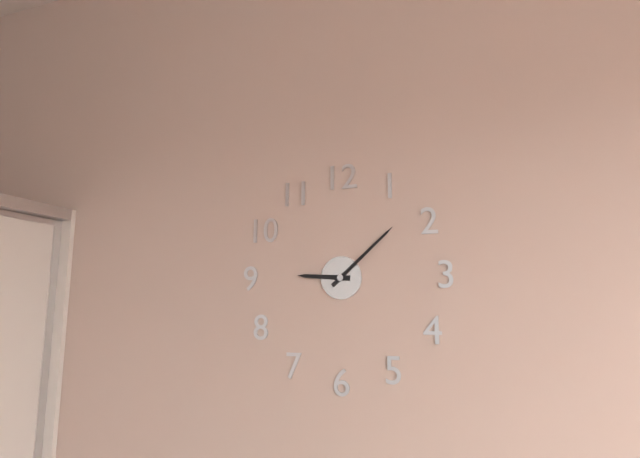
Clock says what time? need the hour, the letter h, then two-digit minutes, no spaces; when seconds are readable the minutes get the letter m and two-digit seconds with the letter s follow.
9h08
